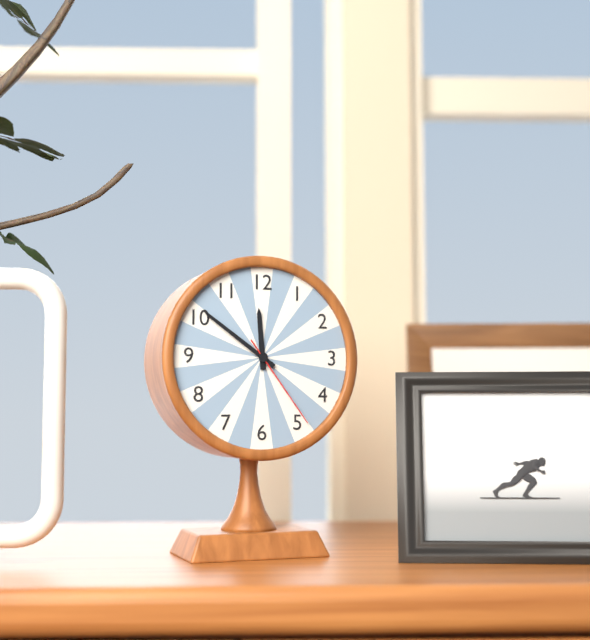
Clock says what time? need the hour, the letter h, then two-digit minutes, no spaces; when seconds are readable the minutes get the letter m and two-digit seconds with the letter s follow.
11h51m24s
